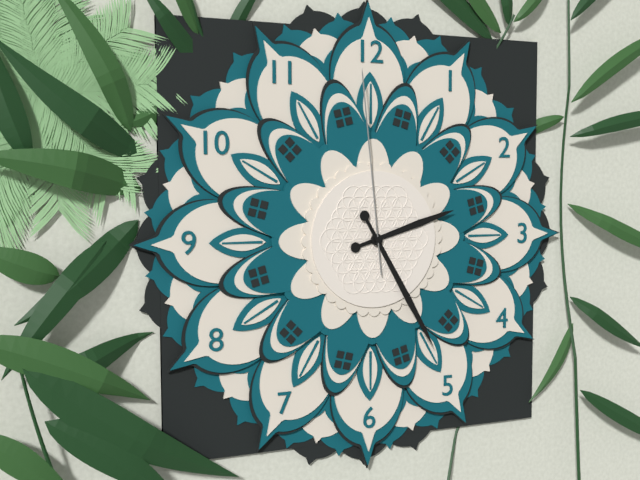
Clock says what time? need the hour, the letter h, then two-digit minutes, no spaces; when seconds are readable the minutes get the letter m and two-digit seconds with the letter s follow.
2h25m59s
